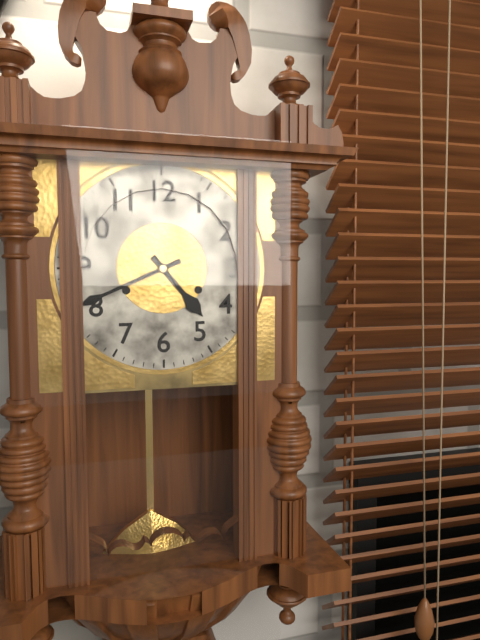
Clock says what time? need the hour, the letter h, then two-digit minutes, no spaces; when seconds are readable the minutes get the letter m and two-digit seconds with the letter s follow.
4h41
